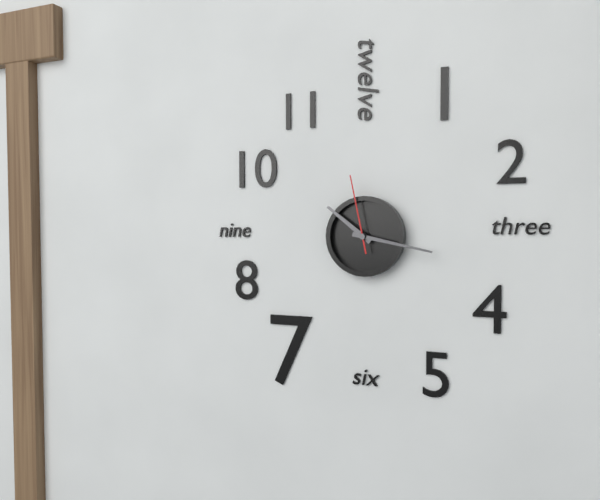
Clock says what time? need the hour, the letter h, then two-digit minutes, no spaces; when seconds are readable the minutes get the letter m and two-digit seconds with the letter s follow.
10h17m58s
